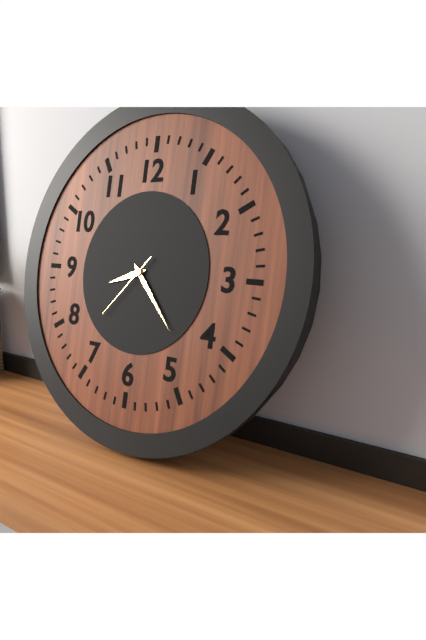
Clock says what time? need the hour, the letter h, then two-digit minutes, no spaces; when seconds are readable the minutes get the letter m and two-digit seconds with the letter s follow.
8h23m37s
